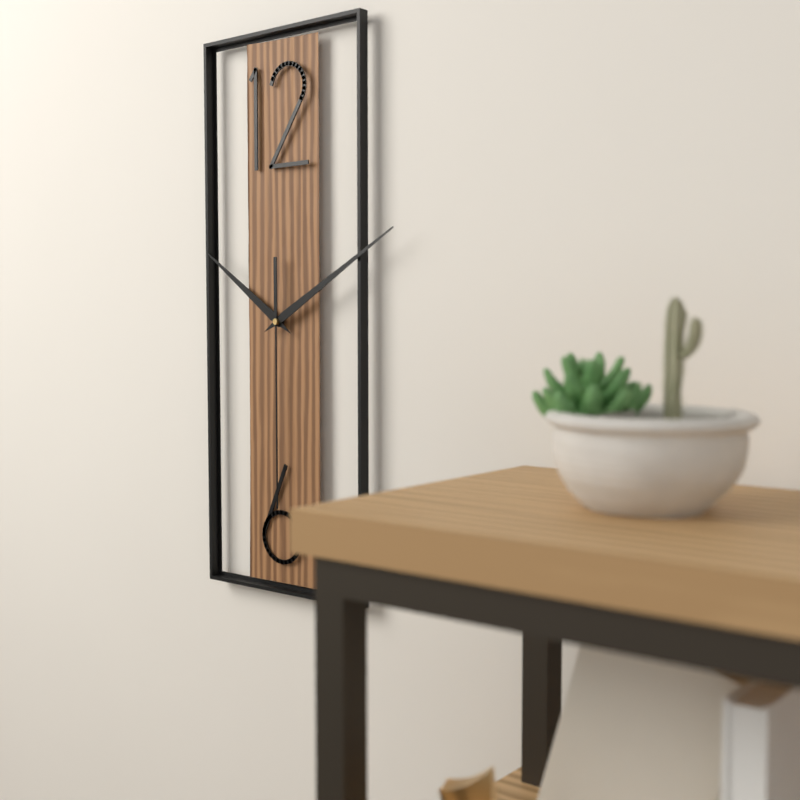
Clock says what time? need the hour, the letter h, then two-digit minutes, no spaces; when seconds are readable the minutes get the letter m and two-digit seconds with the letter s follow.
10h10m30s
